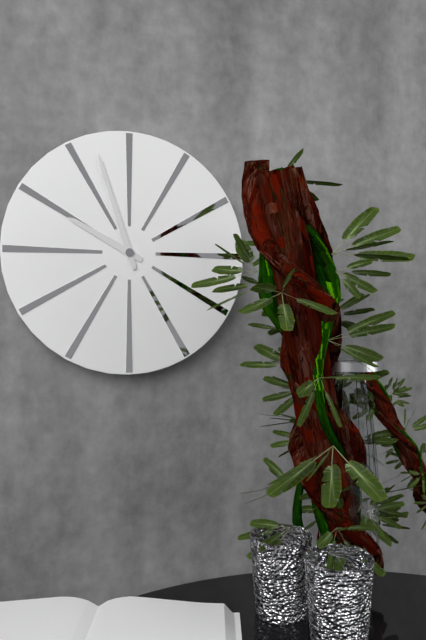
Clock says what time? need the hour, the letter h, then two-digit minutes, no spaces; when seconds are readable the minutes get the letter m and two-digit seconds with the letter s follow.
9h57
